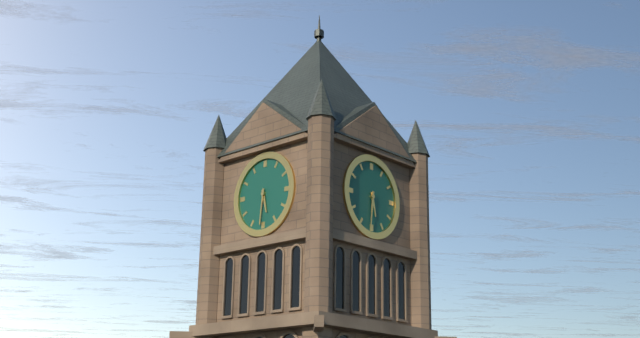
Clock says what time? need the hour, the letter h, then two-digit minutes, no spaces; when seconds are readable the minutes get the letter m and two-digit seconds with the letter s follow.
5h31
